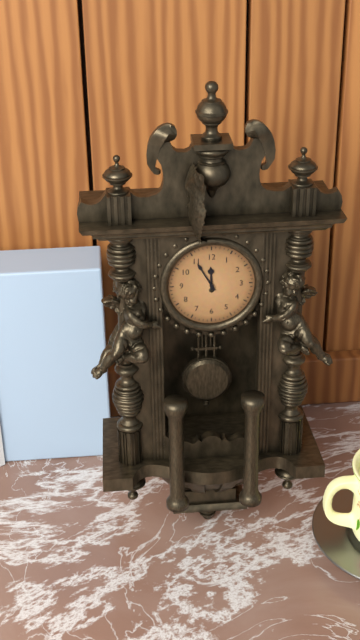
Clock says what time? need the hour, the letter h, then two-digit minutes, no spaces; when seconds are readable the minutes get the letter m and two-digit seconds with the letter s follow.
11h55
